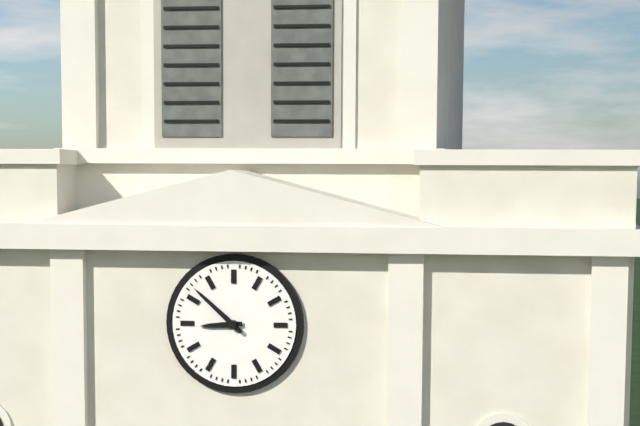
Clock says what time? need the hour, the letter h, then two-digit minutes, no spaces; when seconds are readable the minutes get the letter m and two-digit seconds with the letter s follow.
8h52
